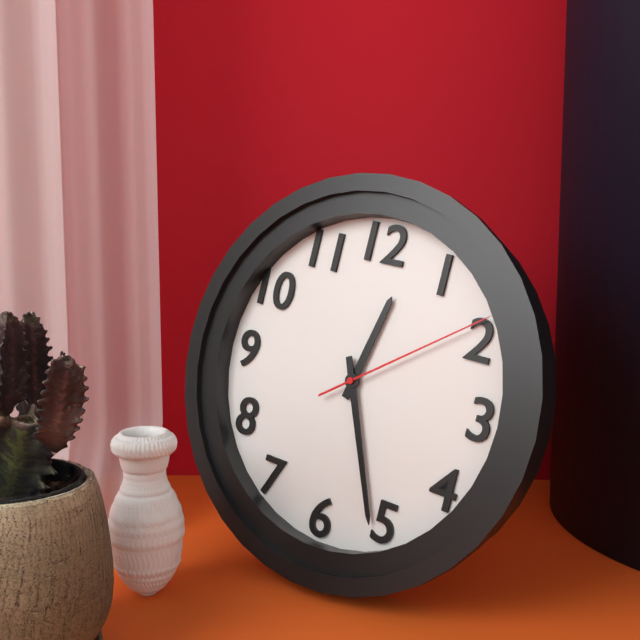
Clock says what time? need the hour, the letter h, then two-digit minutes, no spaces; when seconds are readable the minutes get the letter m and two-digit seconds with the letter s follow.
12h26m09s
